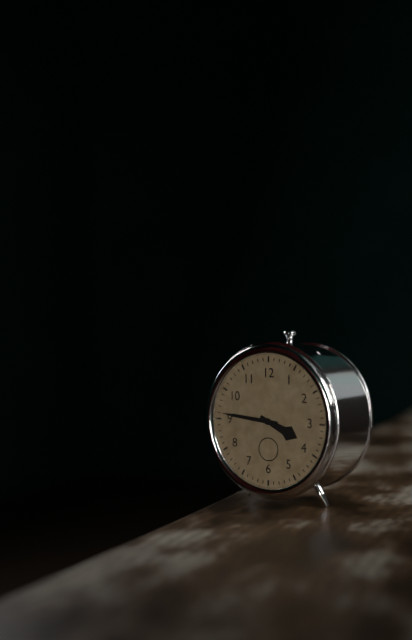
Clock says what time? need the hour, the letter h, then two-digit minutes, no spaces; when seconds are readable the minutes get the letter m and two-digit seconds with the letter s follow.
3h46
